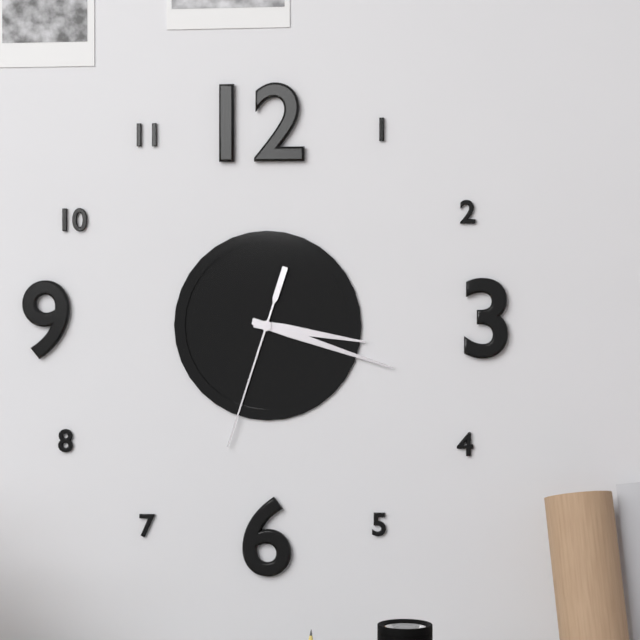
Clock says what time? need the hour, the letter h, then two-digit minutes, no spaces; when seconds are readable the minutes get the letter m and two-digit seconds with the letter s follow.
3h18m33s
